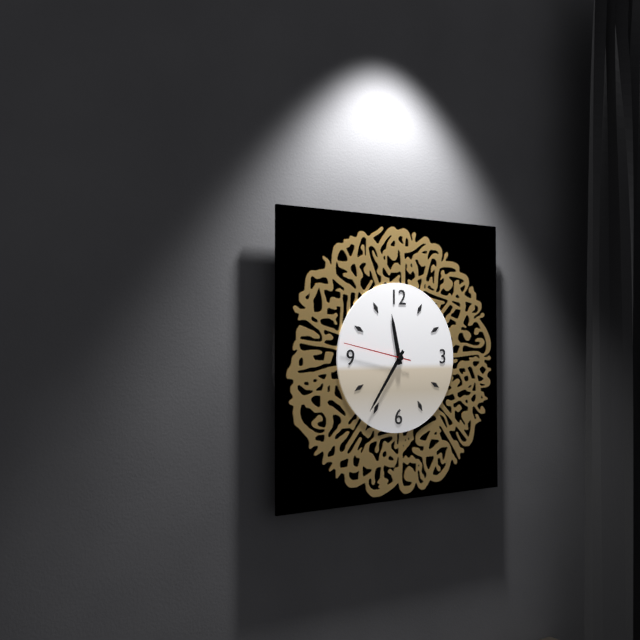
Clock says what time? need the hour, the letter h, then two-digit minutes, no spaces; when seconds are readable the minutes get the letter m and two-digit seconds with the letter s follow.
11h36m47s
